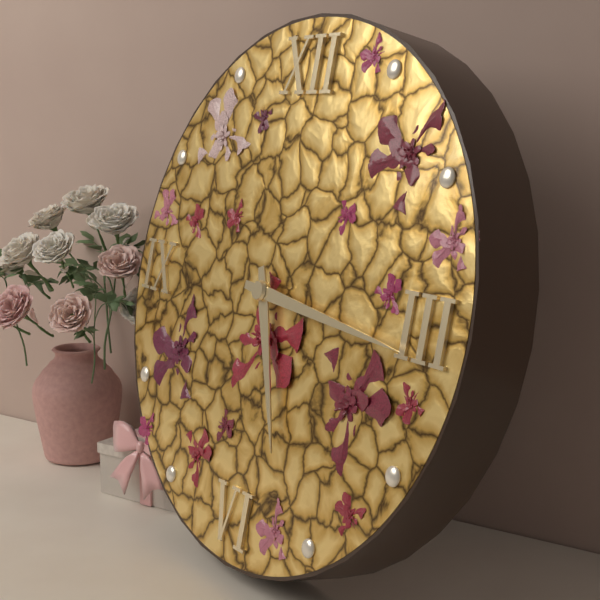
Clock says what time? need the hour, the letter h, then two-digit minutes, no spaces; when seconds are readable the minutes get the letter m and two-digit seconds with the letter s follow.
5h16
